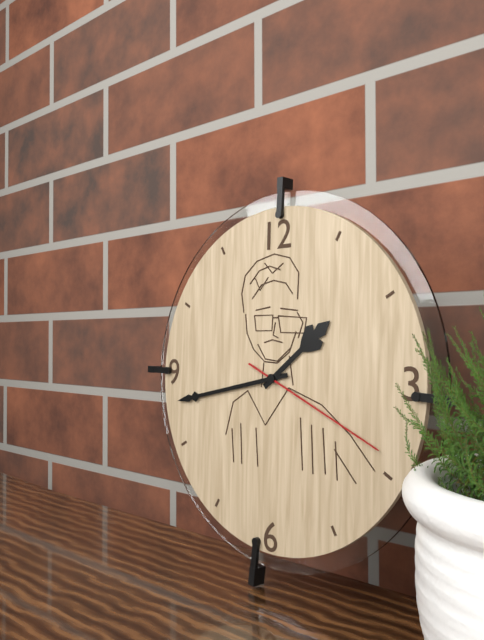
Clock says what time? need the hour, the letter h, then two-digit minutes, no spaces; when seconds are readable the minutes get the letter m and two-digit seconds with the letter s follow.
1h43m19s
